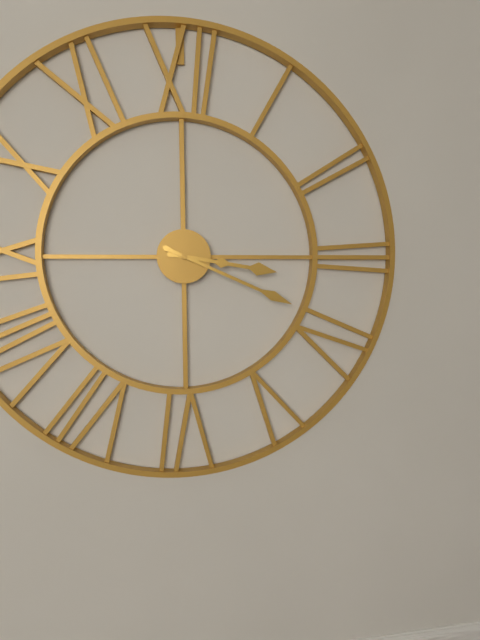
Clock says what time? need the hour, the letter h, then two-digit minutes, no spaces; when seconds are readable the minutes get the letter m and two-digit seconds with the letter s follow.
3h19
